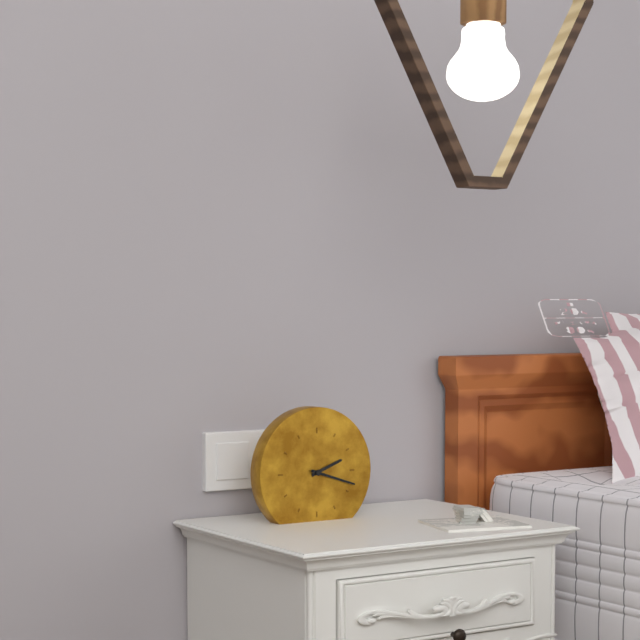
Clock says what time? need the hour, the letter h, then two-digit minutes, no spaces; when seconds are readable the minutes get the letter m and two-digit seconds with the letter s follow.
2h18
